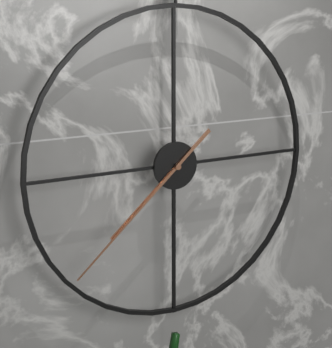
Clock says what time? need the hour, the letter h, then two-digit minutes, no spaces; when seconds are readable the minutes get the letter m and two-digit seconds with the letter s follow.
7h38
